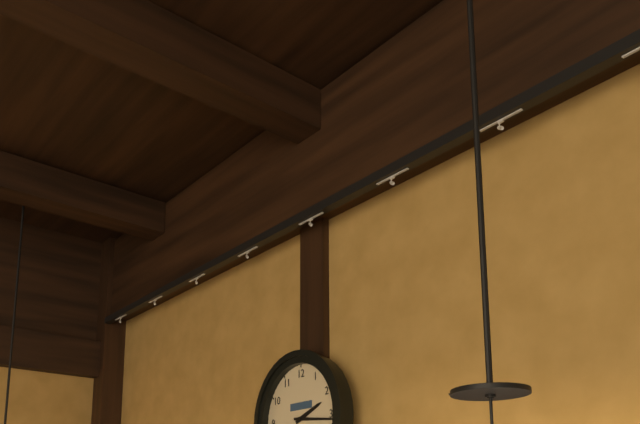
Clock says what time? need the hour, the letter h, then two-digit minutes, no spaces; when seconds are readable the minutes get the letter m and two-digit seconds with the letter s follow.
2h16
